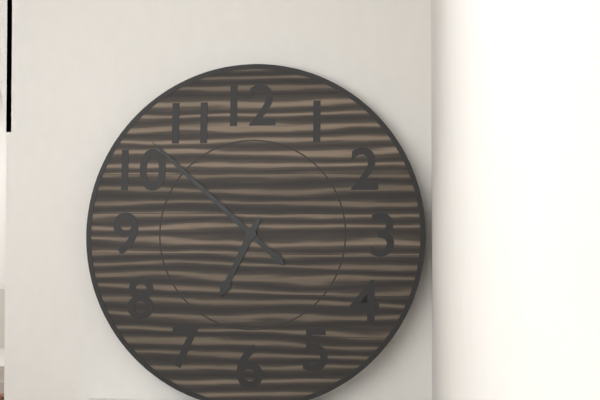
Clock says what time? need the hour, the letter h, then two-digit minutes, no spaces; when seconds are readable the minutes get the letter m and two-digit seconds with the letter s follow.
6h52
